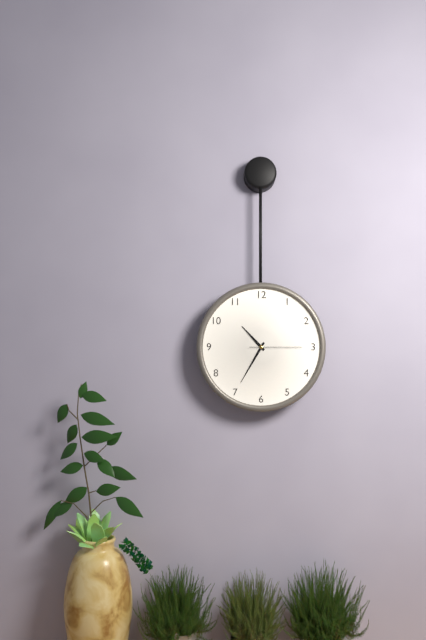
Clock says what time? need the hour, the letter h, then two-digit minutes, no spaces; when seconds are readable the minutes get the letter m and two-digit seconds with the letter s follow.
10h35m15s
